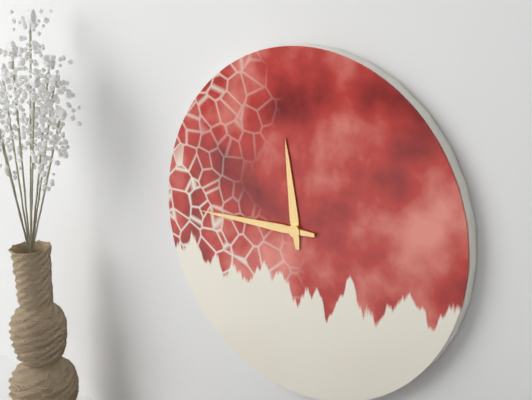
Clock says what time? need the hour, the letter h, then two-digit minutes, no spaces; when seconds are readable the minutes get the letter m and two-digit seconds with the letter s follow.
11h45
